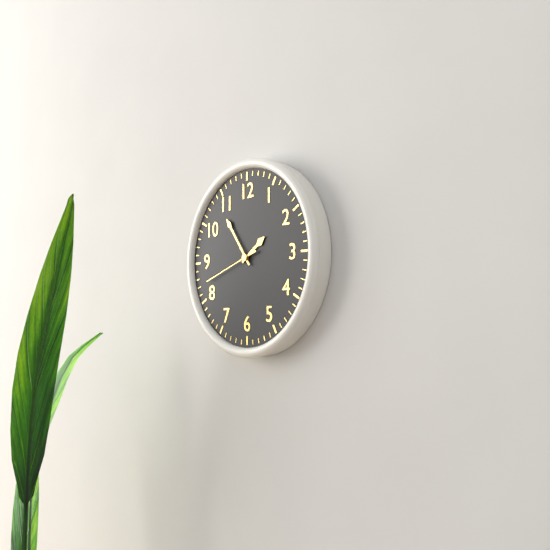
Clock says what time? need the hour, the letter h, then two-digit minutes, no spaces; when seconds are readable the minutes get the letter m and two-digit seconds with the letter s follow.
1h54m42s
